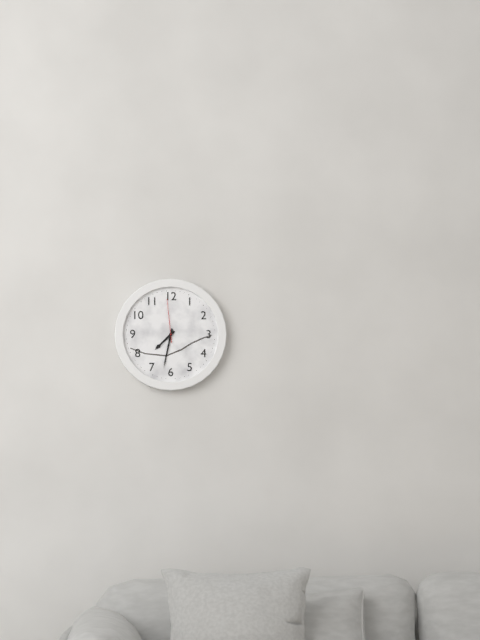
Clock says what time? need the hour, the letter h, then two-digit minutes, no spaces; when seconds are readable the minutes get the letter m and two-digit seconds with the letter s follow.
7h32
